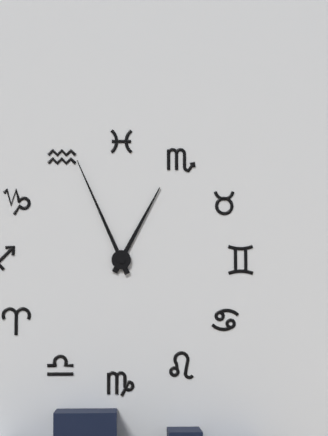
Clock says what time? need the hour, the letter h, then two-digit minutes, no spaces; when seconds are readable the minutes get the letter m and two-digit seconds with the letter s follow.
12h56
